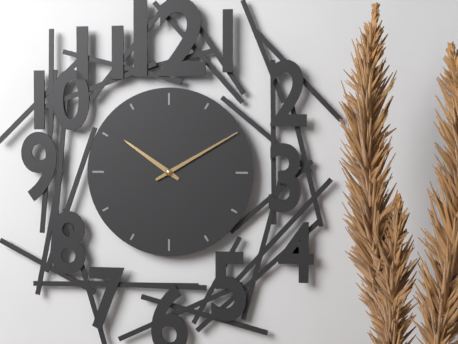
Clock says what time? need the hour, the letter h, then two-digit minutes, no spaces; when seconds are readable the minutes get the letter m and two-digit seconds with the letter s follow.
10h10
